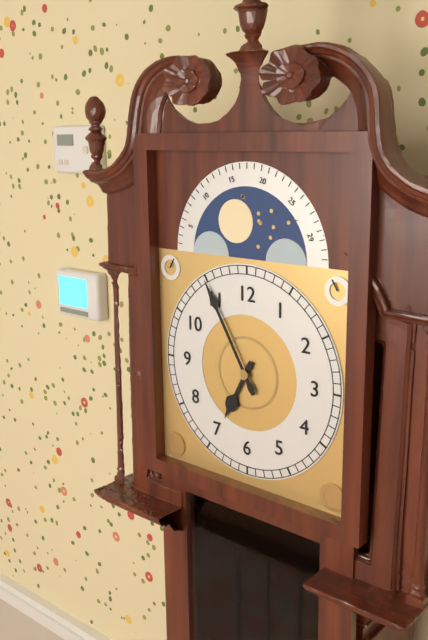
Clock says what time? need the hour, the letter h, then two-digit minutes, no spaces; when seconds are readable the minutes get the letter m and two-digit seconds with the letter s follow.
6h55
